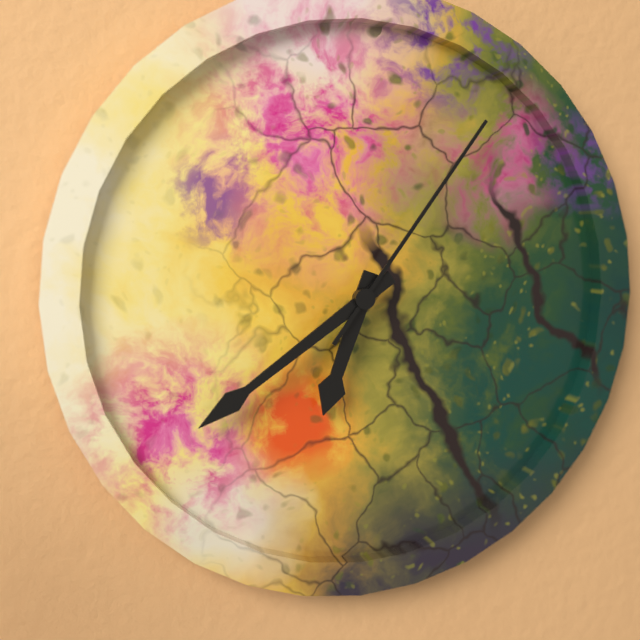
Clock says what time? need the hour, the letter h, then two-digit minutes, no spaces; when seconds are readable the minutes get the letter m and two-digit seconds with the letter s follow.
6h39m06s
